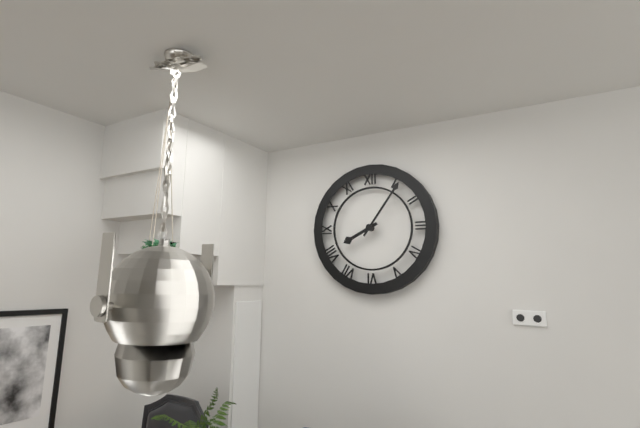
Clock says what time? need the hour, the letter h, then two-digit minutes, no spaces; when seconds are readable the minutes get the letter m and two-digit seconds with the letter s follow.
8h06
